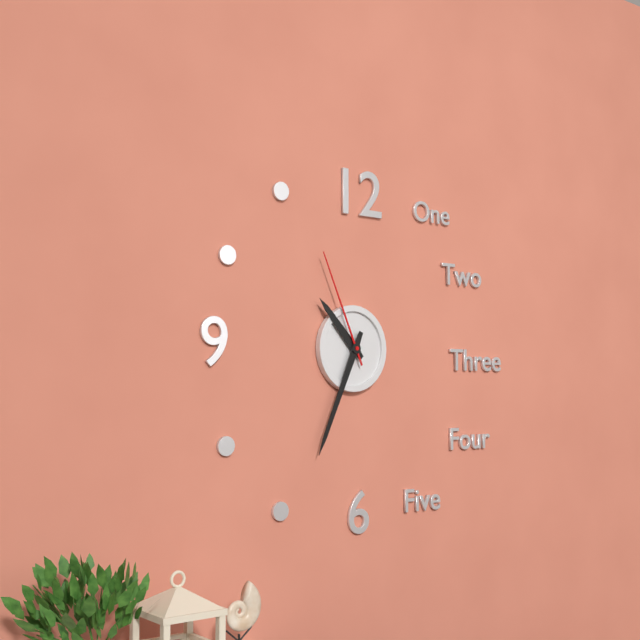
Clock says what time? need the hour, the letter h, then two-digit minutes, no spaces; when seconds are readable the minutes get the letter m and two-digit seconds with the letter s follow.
10h34m56s
